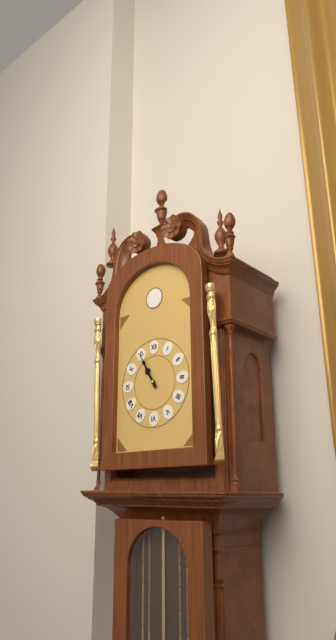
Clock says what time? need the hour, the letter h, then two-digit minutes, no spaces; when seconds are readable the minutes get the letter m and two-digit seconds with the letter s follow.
10h55
